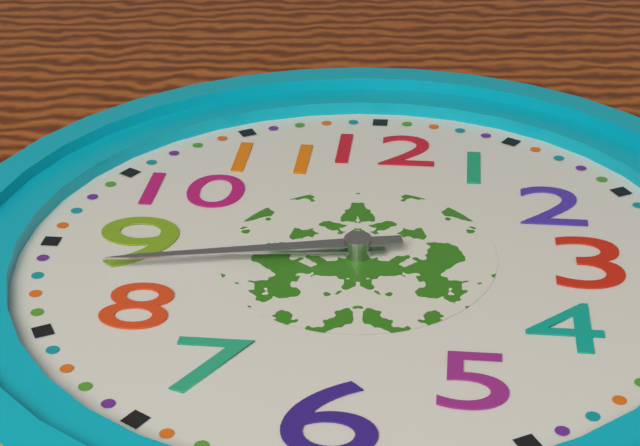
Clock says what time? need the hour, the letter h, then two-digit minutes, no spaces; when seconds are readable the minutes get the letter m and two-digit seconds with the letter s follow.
8h43
